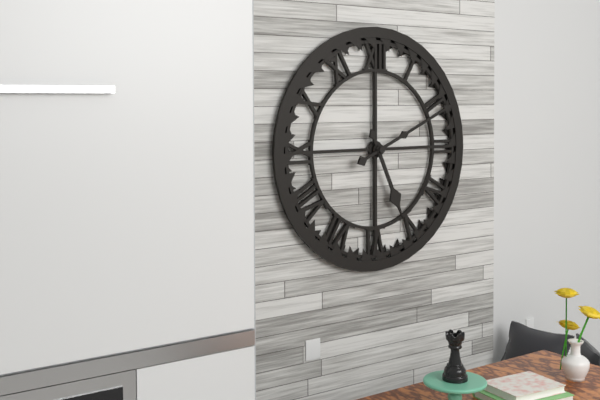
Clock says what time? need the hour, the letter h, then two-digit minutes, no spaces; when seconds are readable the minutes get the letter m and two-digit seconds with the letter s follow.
5h11
